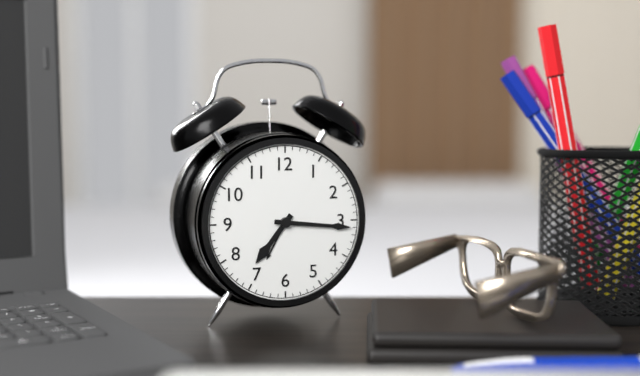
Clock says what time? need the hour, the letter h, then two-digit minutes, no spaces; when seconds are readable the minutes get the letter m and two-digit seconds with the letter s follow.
7h16
